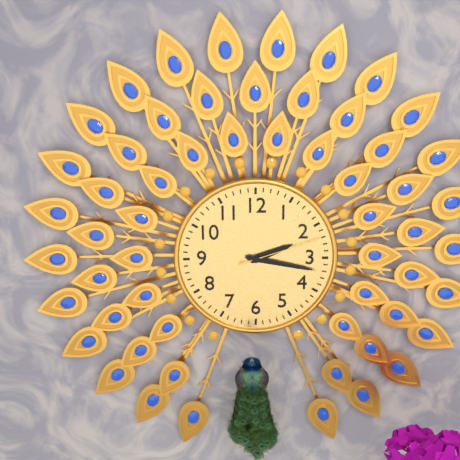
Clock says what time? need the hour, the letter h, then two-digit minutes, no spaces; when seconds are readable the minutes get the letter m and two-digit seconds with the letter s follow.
2h17m12s
